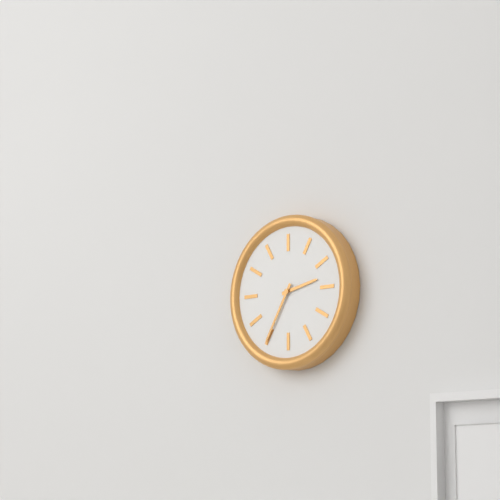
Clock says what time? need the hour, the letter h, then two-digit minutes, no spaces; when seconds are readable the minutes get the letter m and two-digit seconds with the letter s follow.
2h35
